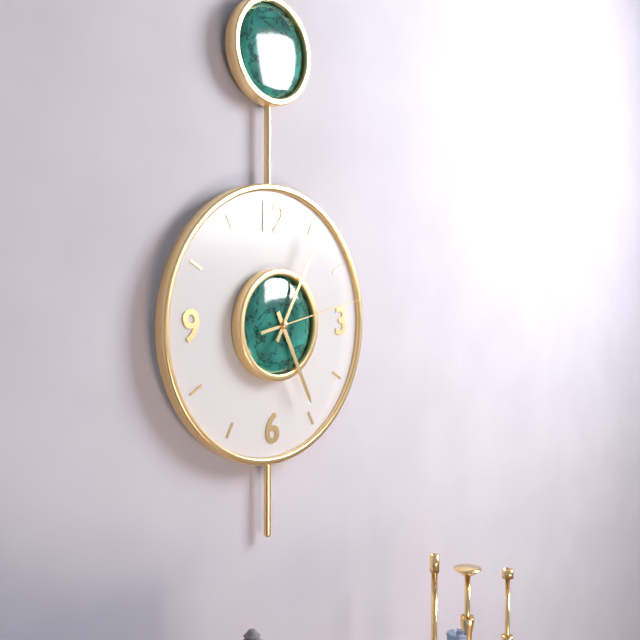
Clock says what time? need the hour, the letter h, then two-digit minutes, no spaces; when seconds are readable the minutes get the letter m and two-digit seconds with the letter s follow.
5h05m13s
